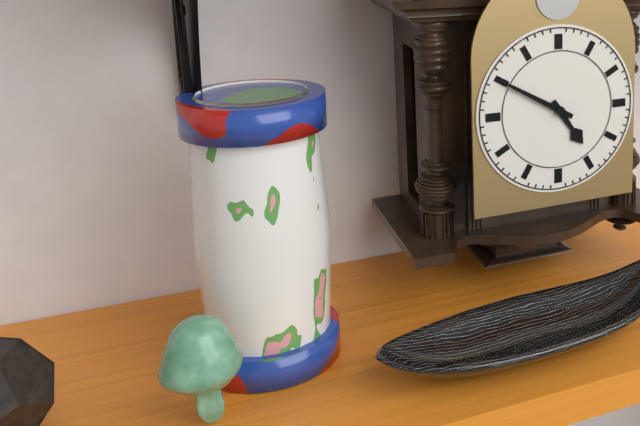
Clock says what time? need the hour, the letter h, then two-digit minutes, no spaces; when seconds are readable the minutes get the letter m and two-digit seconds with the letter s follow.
4h50
